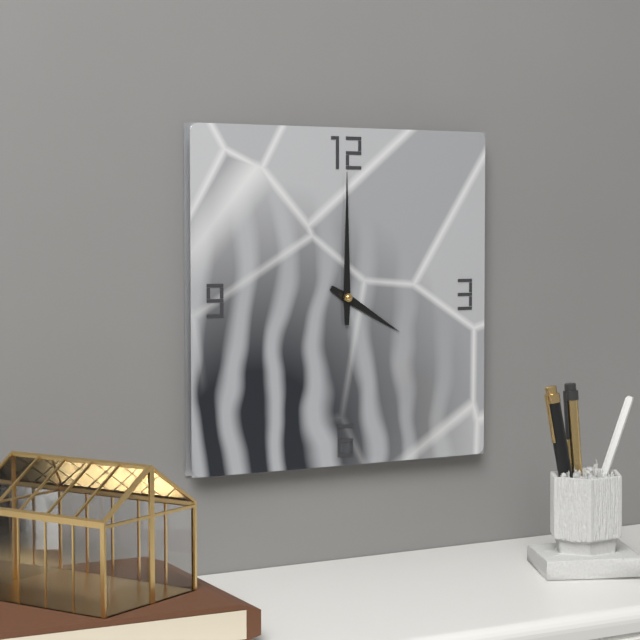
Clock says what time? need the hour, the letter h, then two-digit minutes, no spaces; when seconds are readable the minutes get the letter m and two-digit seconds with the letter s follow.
4h00
